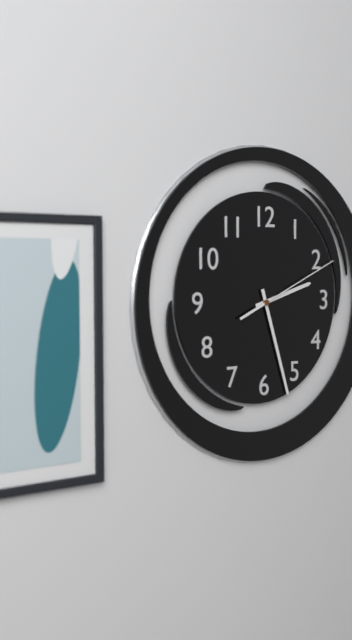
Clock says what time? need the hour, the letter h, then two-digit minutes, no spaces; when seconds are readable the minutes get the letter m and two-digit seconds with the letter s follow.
2h27m11s
